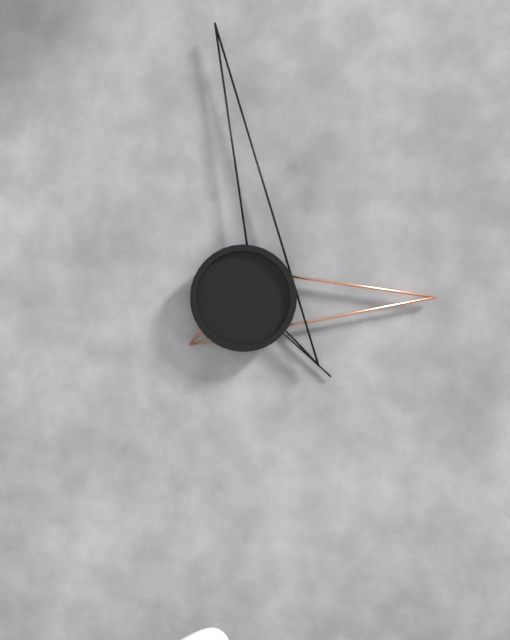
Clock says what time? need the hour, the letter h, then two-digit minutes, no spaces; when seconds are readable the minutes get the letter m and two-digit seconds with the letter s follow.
2h59m22s
